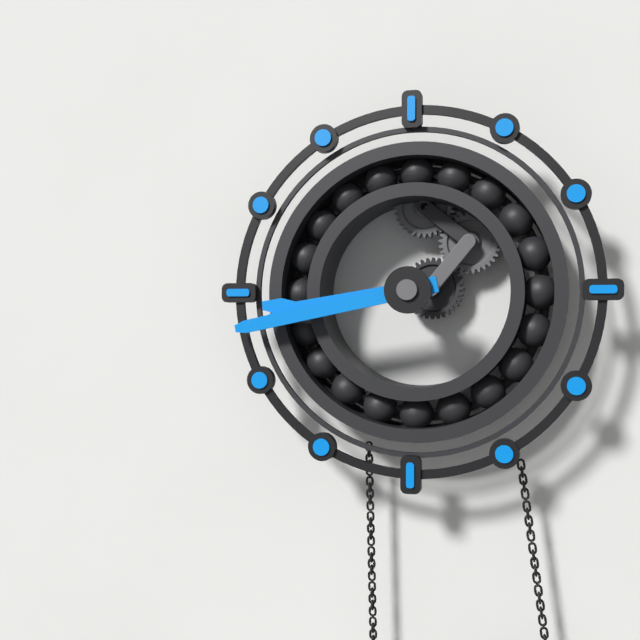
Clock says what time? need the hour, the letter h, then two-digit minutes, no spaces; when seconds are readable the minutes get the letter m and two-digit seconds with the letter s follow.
8h43
